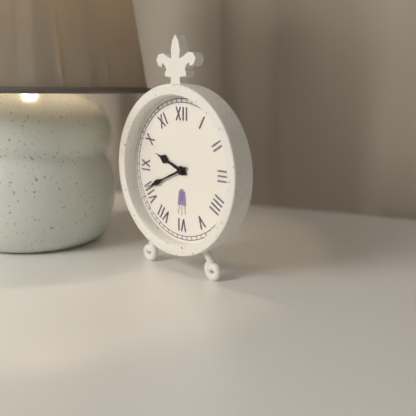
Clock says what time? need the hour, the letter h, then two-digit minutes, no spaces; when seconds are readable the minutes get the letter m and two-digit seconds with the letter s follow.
9h41
